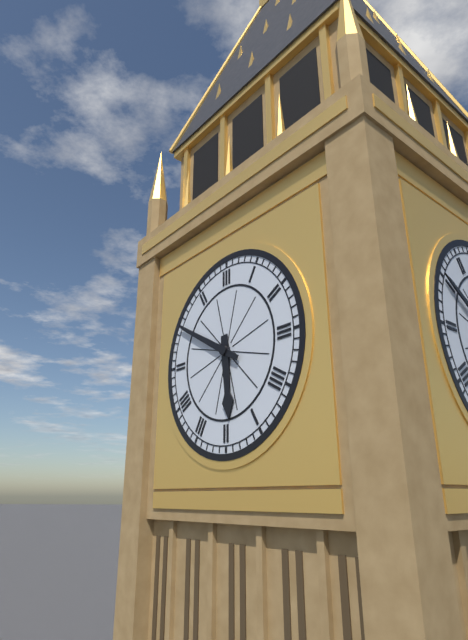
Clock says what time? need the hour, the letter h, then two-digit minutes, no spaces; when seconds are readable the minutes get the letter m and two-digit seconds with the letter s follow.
5h50
